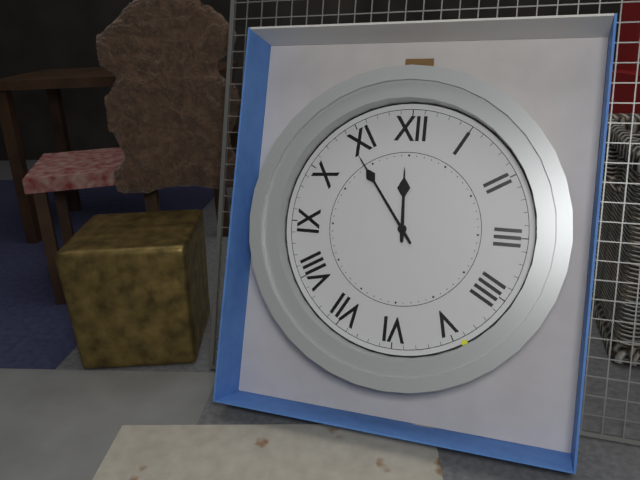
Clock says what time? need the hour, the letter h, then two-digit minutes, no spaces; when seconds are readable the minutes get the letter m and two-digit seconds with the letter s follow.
11h54
